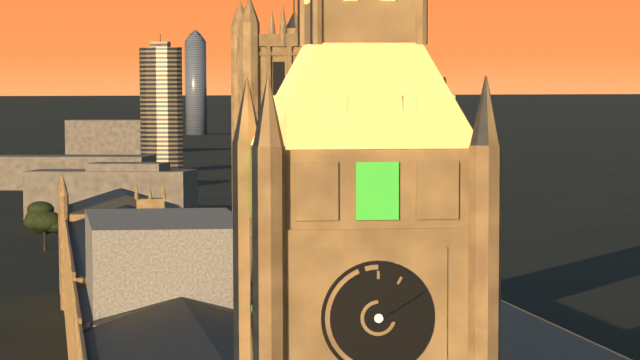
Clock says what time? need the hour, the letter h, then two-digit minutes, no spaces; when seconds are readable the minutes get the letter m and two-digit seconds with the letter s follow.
3h10
